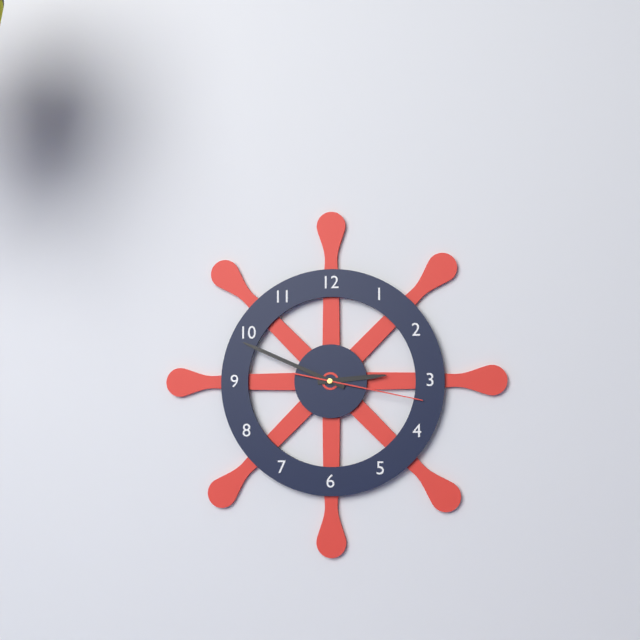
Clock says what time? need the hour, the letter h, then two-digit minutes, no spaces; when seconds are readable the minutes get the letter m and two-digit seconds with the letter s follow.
2h49m17s
